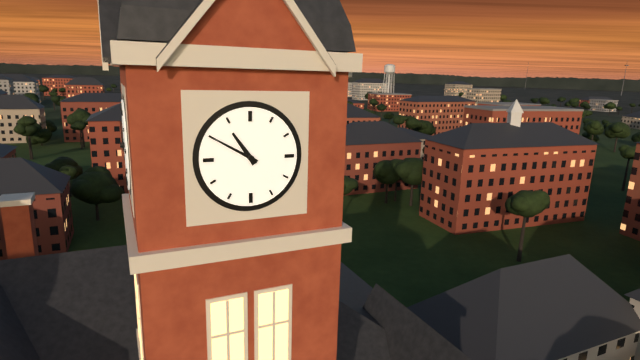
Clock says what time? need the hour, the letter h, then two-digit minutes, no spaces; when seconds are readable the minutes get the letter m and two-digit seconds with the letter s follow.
10h50
